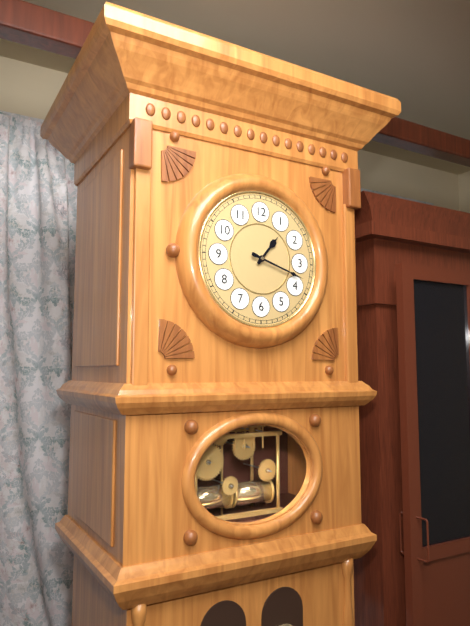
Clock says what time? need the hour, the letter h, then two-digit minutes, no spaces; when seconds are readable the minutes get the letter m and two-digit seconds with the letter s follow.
1h18
